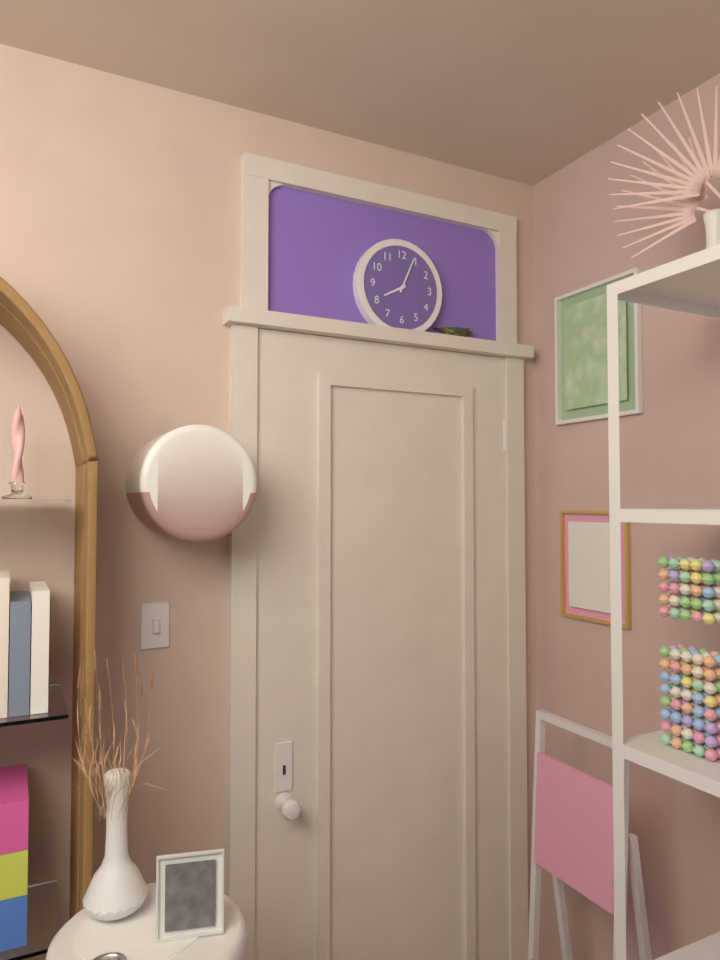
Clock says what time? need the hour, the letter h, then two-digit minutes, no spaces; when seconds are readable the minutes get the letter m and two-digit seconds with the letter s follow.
8h04
